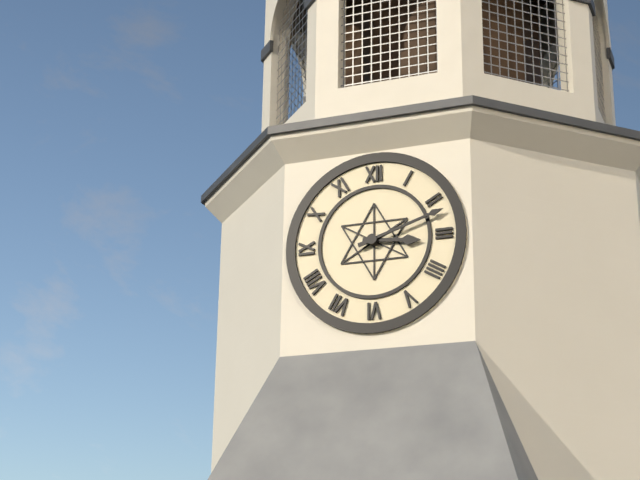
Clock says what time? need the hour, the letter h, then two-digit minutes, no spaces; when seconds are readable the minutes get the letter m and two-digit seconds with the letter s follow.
3h12
